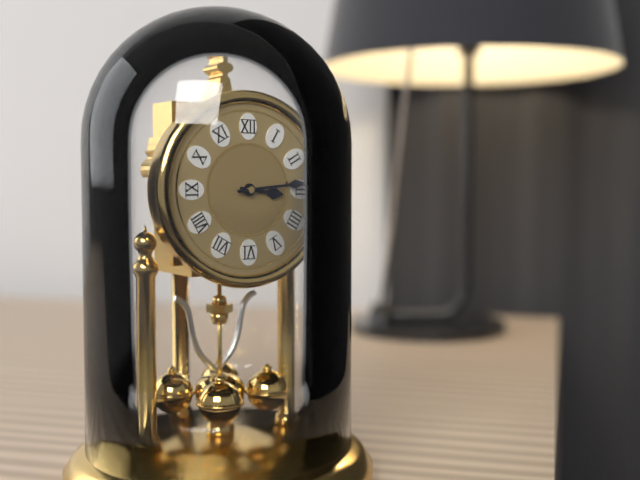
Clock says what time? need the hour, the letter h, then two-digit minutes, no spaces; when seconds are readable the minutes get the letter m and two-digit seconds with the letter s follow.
3h14
